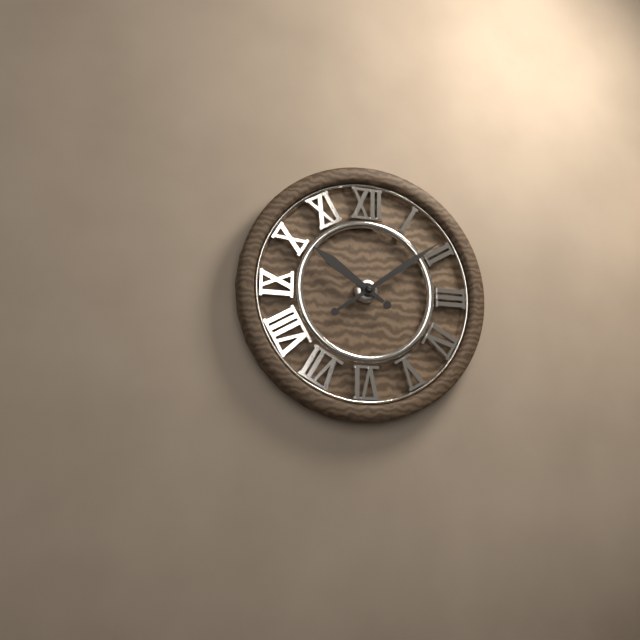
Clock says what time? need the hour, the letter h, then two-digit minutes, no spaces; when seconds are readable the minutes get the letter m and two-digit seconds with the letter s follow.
10h09
